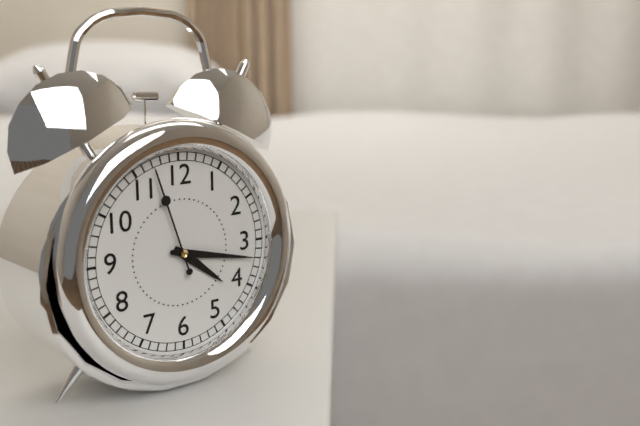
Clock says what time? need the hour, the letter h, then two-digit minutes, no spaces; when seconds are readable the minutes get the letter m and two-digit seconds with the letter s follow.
4h17m57s
